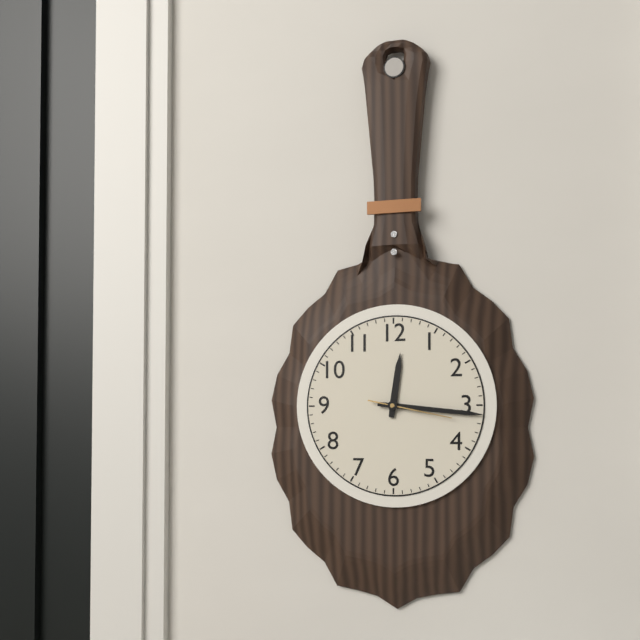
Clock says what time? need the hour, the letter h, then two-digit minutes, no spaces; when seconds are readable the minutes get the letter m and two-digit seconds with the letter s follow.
12h16m17s
